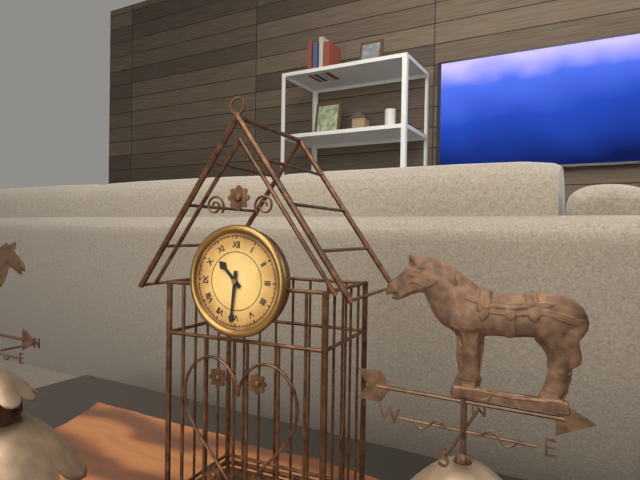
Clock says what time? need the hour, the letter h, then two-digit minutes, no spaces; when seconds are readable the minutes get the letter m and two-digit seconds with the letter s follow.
10h31
